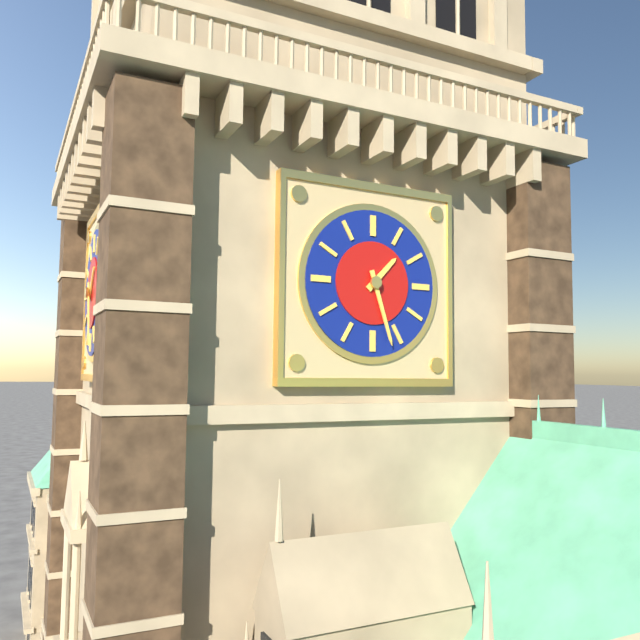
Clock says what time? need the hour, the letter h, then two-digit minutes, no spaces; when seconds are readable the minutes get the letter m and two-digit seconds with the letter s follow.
1h27
